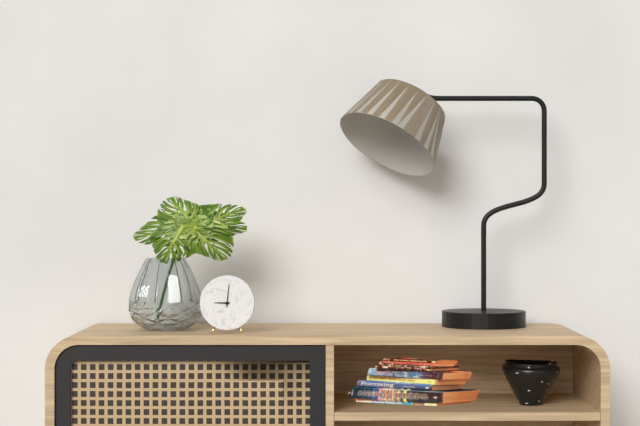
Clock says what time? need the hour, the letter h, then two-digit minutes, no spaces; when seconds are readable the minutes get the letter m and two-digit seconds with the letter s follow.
9h01
